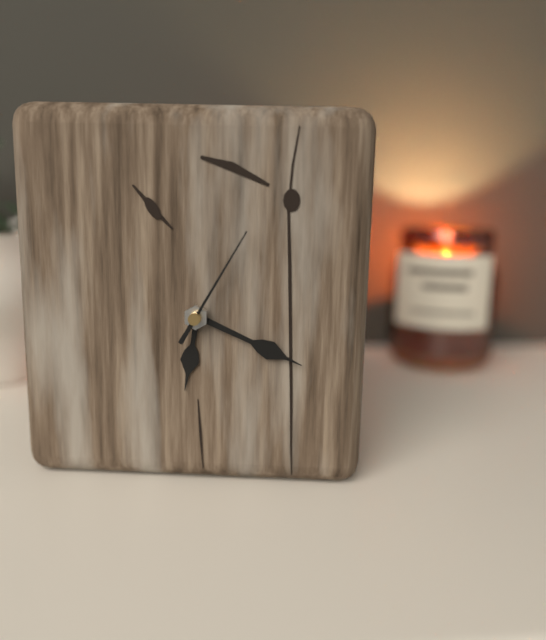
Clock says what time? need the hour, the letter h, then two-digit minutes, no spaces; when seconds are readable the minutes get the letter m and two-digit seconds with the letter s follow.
6h19m05s
